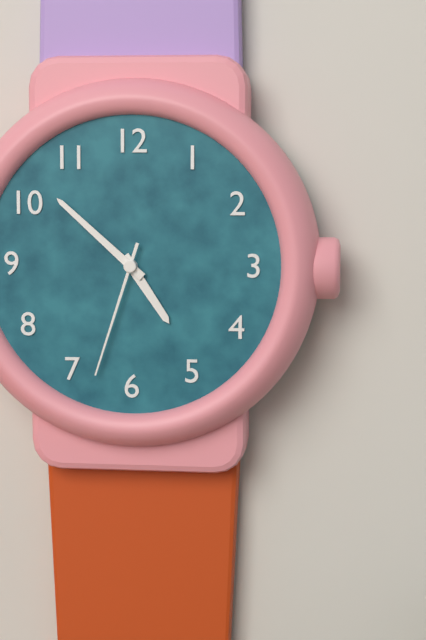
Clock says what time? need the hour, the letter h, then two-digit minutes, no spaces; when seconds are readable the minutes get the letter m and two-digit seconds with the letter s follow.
4h52m33s
